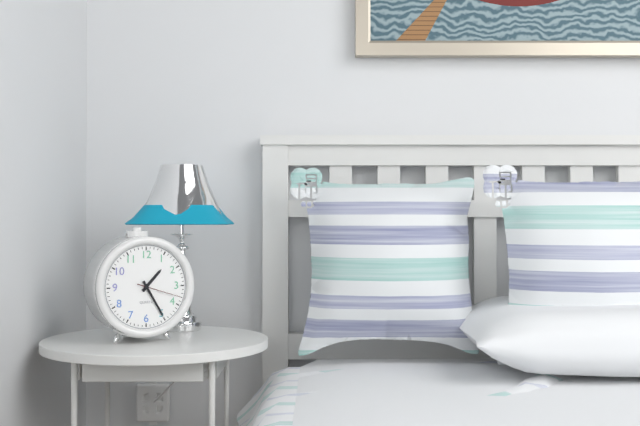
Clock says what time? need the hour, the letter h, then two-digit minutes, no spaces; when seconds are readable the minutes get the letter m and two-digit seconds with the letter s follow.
1h25
